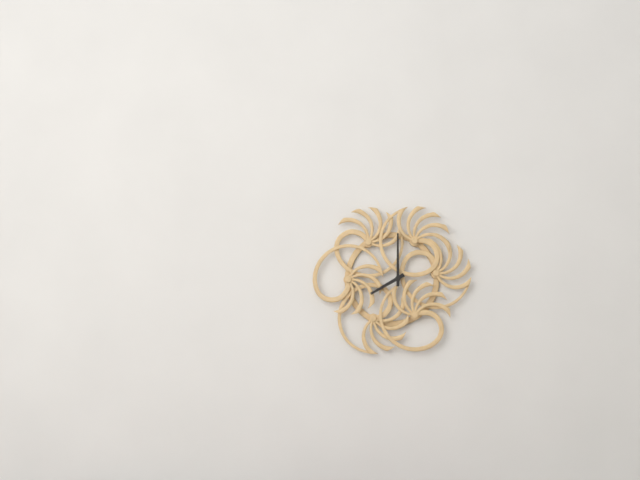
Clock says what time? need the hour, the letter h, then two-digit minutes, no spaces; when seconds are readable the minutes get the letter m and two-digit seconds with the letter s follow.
8h00
